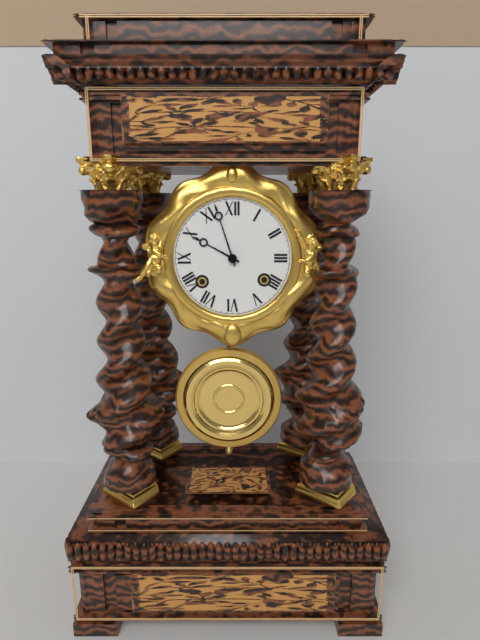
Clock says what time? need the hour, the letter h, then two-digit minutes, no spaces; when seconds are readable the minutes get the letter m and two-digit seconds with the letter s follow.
9h57
